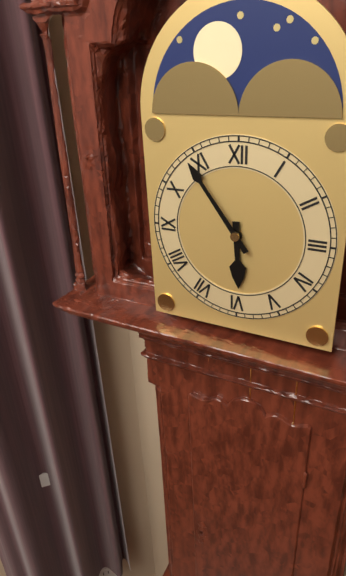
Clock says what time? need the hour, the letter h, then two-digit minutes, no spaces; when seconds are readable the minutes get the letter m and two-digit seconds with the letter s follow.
5h54
